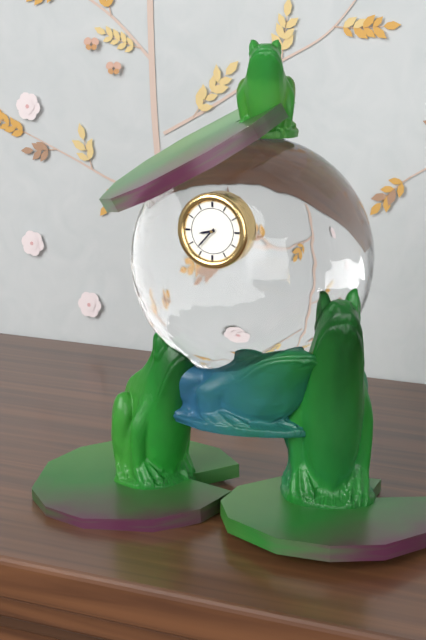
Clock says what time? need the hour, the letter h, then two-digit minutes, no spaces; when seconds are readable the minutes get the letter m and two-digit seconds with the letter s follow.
8h37
